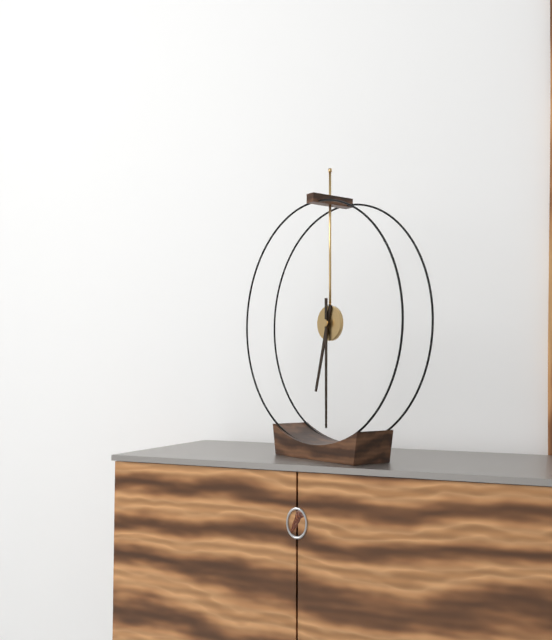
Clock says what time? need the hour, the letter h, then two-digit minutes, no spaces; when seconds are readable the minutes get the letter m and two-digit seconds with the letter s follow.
6h30
